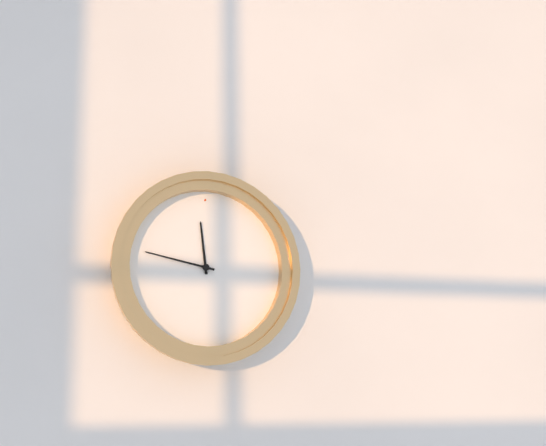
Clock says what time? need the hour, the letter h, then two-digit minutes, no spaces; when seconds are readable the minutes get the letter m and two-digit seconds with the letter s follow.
11h47
